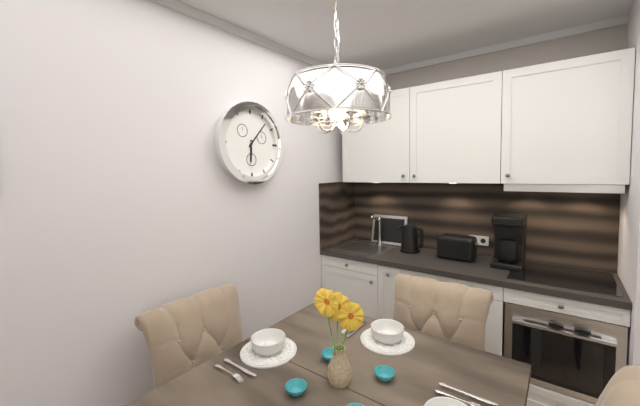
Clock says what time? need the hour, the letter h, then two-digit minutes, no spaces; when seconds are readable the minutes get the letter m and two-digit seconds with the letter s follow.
6h07
